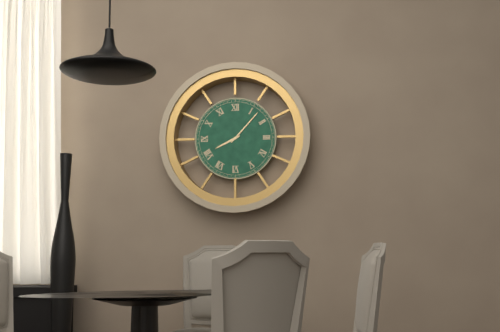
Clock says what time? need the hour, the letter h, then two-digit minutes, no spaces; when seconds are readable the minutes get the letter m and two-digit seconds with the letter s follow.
8h07
